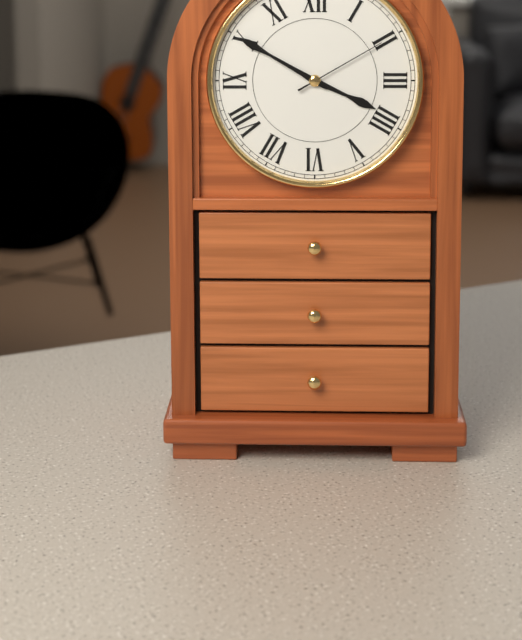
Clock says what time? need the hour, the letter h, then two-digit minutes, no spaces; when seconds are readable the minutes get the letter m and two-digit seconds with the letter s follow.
3h50m10s
